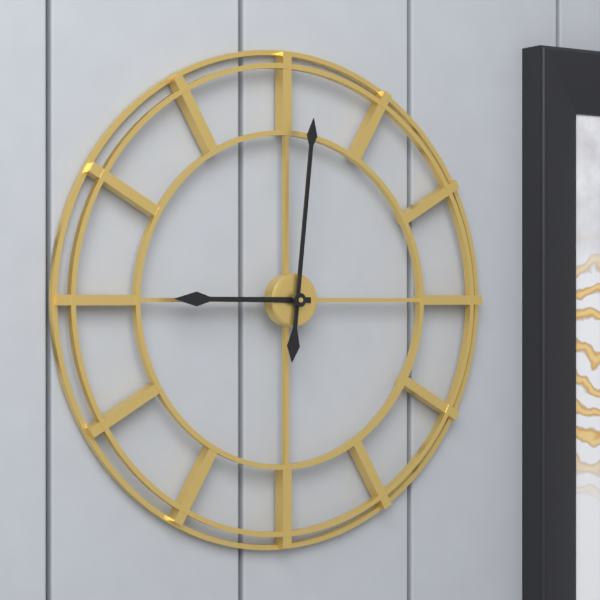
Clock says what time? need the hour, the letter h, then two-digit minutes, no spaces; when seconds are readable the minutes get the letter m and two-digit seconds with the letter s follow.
9h01
